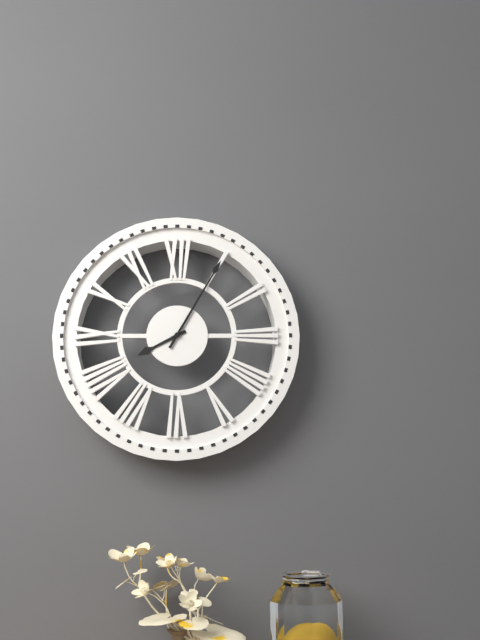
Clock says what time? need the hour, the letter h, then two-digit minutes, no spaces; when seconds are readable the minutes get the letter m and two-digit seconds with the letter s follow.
8h05
